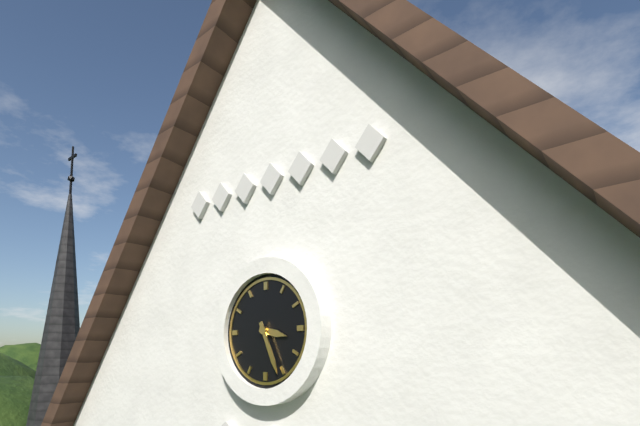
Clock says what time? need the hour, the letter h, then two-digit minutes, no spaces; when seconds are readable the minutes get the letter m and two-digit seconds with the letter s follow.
3h26
